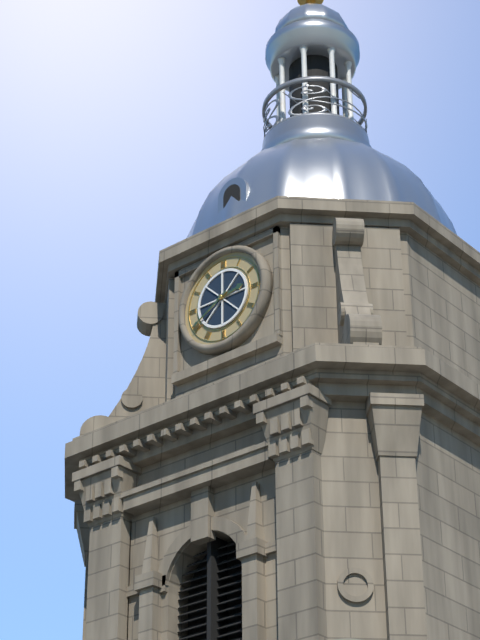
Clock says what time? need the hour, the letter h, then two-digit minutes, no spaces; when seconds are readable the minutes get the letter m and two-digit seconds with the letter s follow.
2h40
